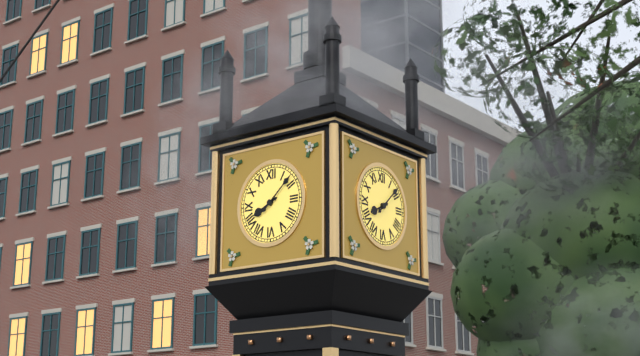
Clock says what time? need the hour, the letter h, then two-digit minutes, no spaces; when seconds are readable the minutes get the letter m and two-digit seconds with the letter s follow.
8h08
